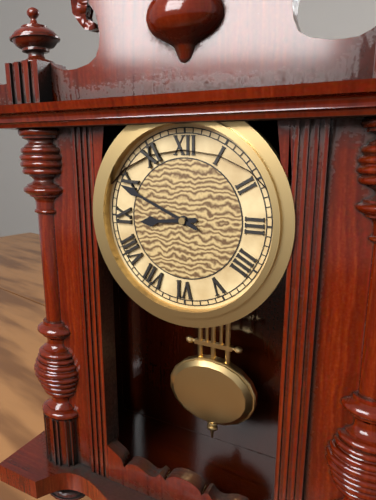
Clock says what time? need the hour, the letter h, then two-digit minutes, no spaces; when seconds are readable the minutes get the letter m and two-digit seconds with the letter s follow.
8h49
